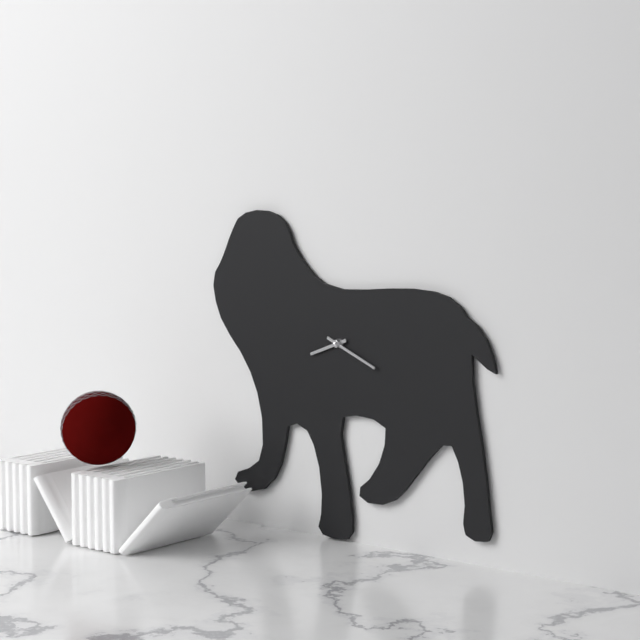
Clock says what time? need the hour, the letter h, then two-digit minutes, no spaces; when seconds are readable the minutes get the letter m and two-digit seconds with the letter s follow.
8h19
